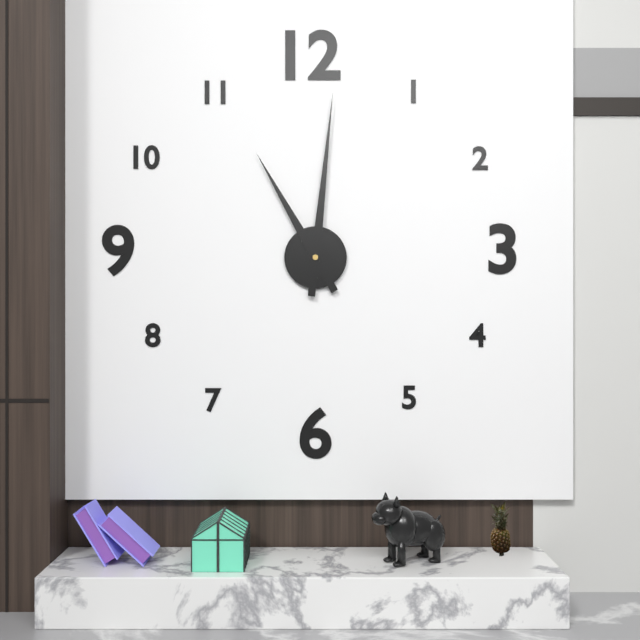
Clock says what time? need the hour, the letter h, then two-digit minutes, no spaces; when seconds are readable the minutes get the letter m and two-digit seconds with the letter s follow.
11h01
